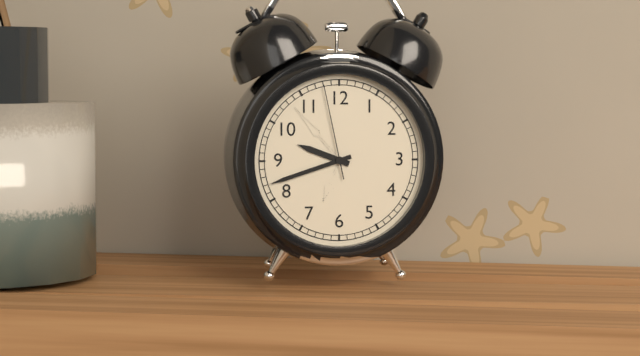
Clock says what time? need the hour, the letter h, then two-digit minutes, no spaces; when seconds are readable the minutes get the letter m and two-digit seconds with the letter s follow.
9h42m58s
